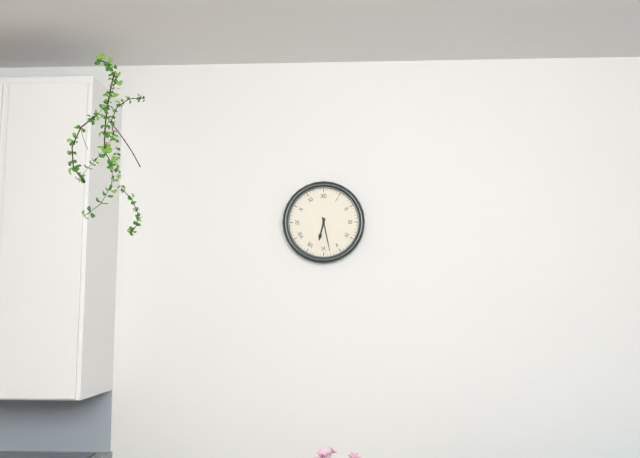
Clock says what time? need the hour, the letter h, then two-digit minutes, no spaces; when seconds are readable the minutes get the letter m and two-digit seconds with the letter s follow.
6h28
